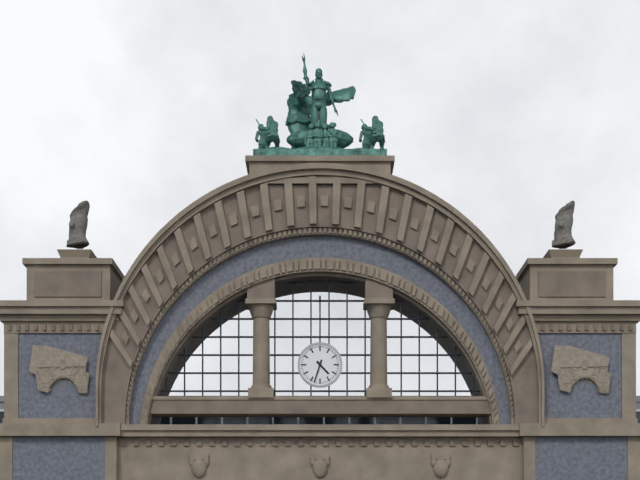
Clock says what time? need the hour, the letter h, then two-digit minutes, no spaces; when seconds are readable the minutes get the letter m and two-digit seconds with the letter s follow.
4h33
